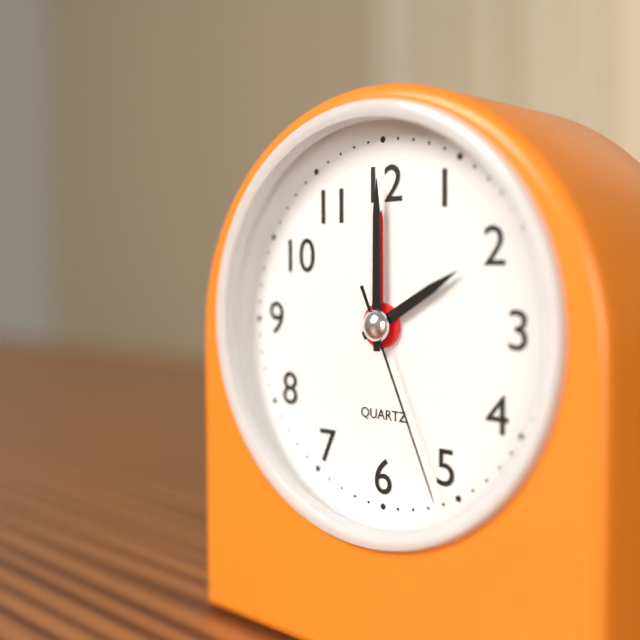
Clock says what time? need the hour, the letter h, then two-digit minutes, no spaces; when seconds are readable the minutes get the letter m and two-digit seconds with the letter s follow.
2h00m26s
